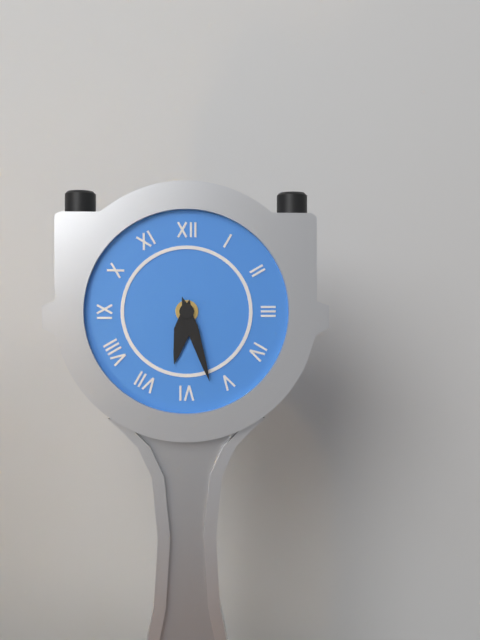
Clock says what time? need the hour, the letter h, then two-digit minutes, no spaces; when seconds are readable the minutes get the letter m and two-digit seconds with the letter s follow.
6h27
